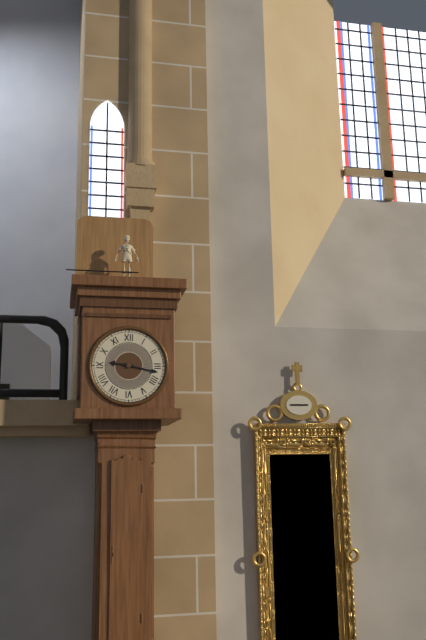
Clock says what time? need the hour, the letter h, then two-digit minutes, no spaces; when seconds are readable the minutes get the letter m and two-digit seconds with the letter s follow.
9h17
